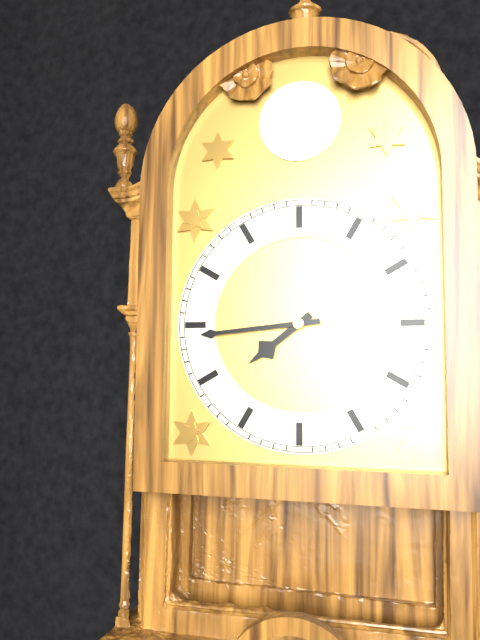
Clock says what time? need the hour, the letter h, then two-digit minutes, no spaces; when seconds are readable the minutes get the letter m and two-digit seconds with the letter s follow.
7h44
